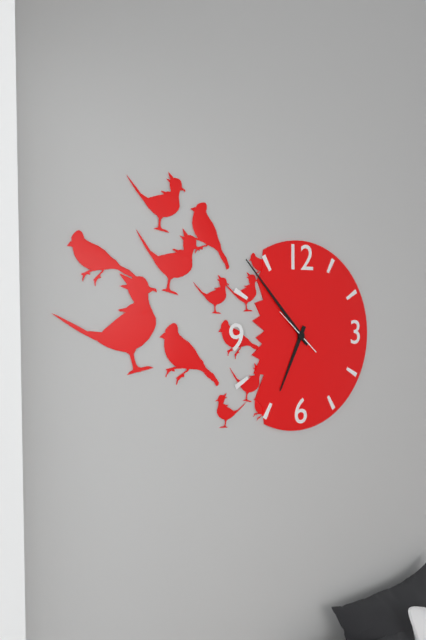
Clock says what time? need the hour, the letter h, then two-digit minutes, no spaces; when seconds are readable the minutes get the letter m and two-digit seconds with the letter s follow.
6h53
